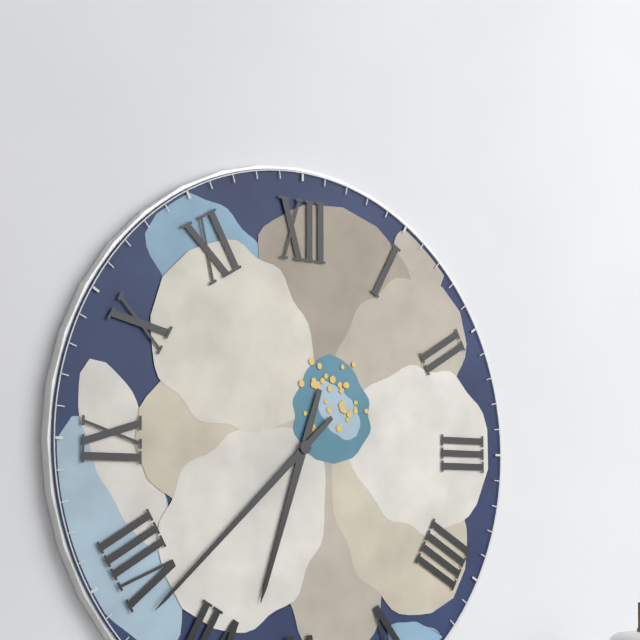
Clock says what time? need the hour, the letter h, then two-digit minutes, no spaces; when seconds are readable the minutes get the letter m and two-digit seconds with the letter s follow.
6h38
